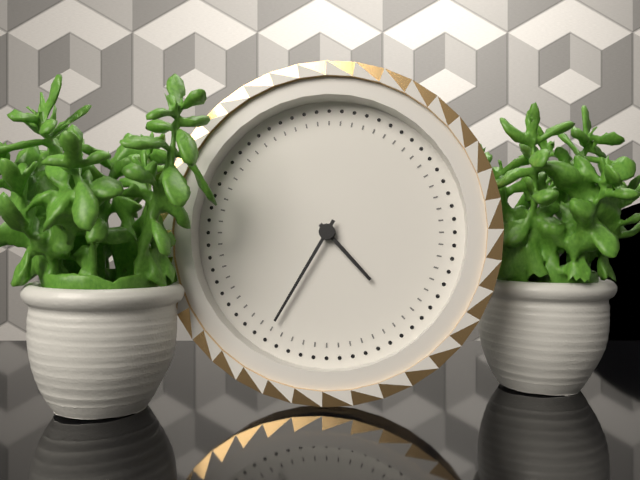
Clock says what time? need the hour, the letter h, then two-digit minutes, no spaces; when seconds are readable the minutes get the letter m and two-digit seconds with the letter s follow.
4h35
